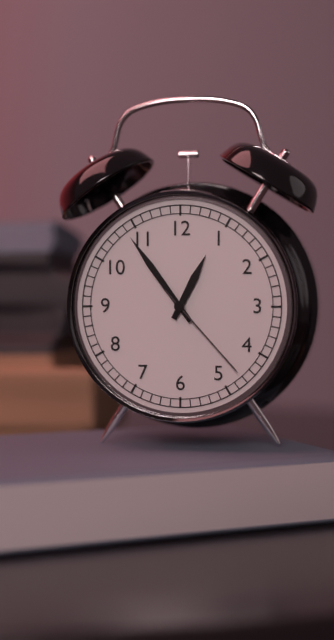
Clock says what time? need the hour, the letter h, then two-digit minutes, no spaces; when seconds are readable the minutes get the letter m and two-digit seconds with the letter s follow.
12h54m23s
